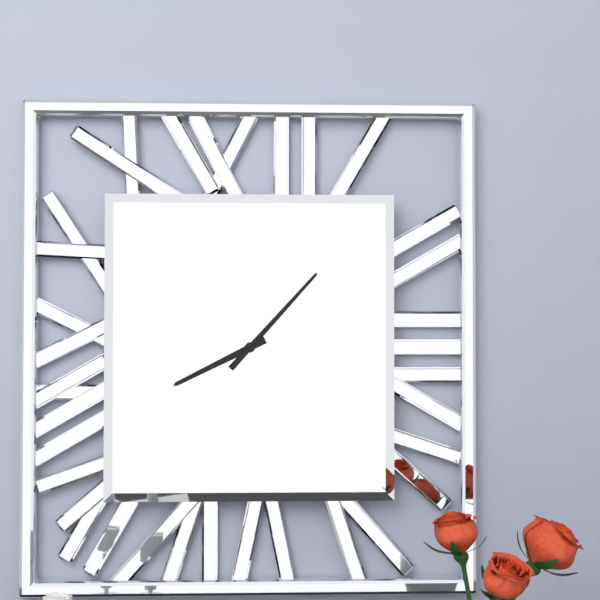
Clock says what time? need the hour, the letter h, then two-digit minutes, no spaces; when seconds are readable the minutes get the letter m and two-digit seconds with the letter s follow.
8h07
